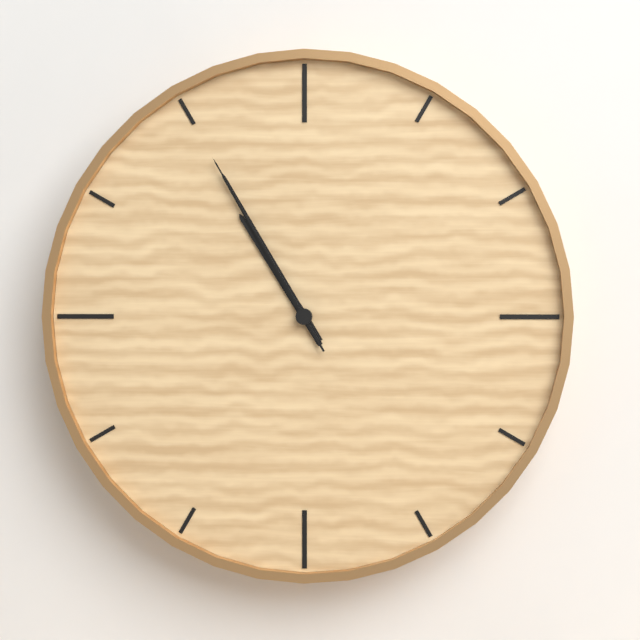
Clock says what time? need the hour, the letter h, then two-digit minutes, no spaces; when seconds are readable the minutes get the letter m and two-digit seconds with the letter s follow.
10h55m55s
